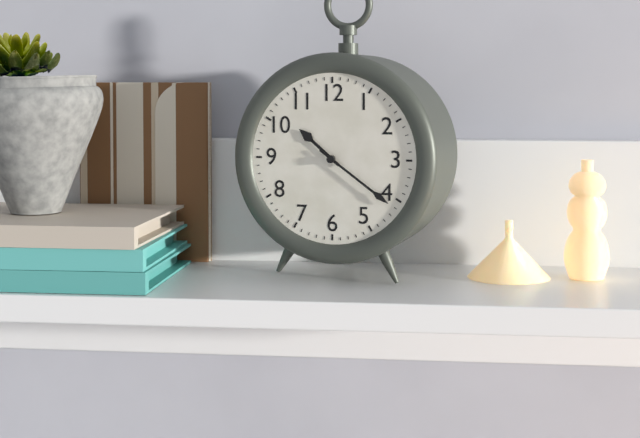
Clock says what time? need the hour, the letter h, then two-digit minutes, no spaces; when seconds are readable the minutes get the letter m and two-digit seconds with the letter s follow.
10h21
